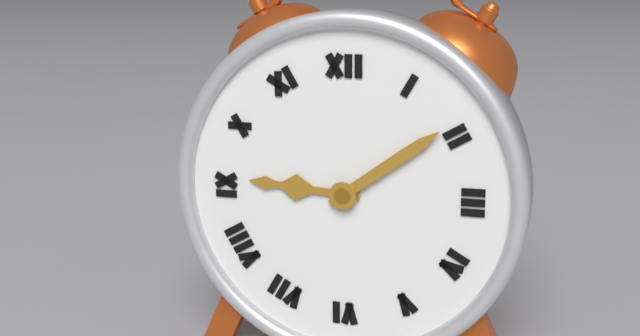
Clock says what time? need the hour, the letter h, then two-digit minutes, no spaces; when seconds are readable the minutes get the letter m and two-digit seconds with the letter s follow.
9h09
